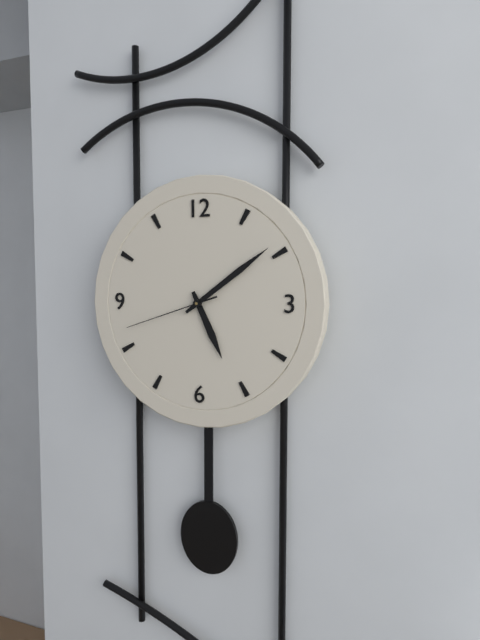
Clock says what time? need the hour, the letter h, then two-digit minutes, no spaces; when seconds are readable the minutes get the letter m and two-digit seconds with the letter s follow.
5h09m42s
